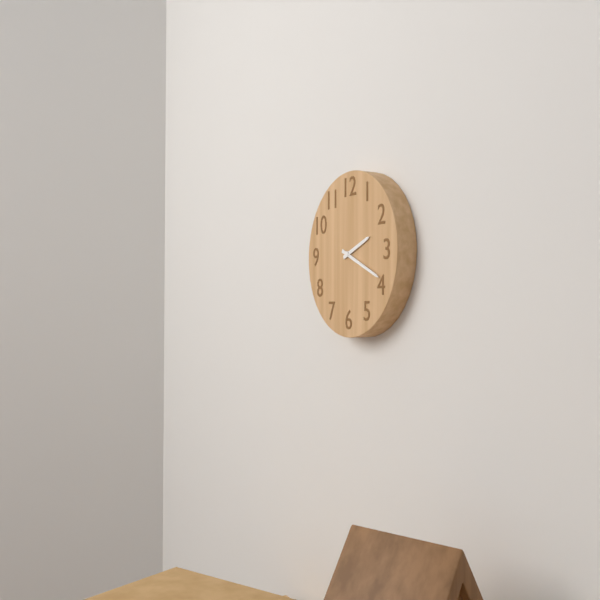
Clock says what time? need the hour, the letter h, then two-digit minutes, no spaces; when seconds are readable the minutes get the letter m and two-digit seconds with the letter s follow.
2h19
